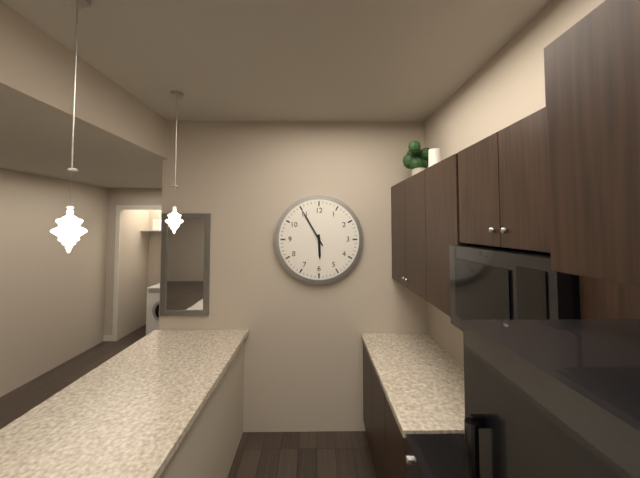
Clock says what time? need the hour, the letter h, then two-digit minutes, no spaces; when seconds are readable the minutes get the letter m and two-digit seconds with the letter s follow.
5h55
